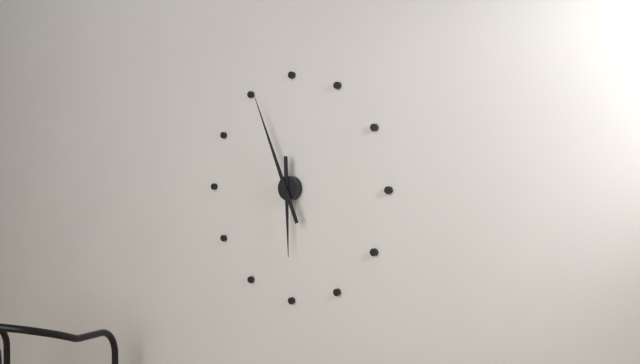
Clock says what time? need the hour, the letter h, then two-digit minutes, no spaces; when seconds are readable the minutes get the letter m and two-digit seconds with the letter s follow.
5h56
